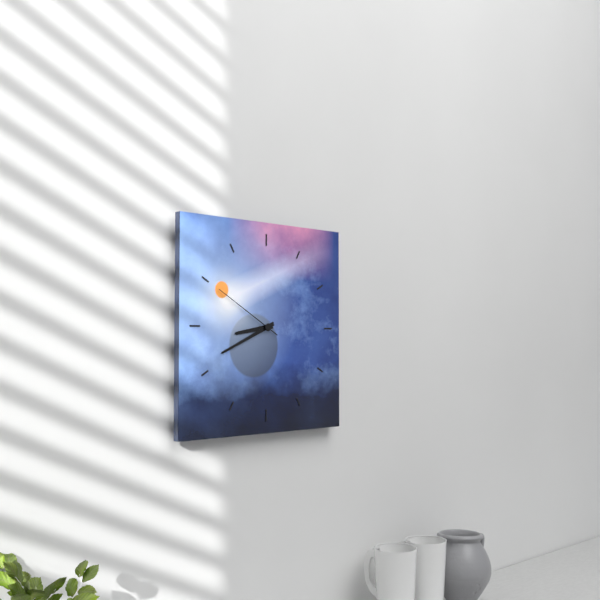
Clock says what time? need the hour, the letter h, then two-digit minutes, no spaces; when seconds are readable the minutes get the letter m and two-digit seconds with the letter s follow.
8h41m50s
